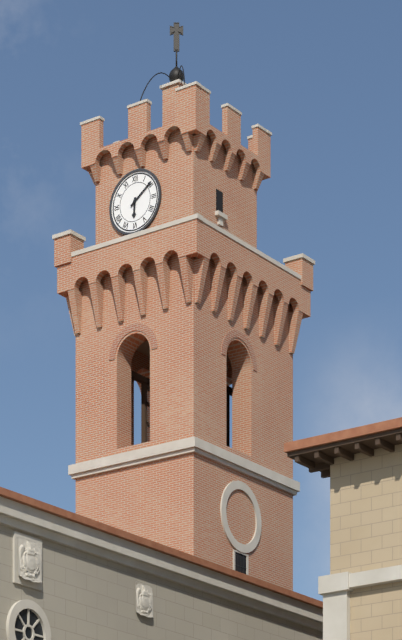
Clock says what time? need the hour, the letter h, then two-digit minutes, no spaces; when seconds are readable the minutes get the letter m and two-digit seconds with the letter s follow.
6h09
